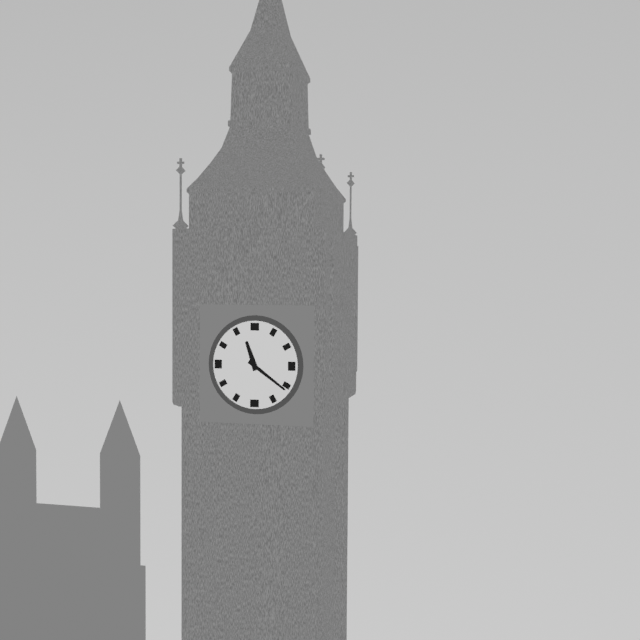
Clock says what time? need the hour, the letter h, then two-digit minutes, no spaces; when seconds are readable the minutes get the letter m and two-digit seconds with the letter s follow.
11h21
